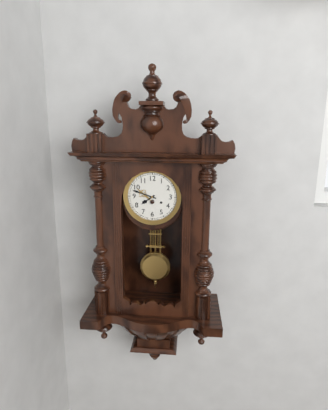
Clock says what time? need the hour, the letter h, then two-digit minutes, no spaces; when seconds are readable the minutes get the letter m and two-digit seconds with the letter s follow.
7h48
